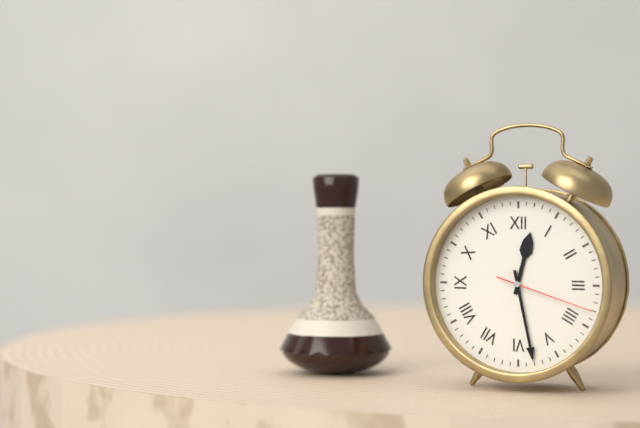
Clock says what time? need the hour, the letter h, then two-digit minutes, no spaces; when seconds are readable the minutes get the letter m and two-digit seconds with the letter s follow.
12h28m18s
